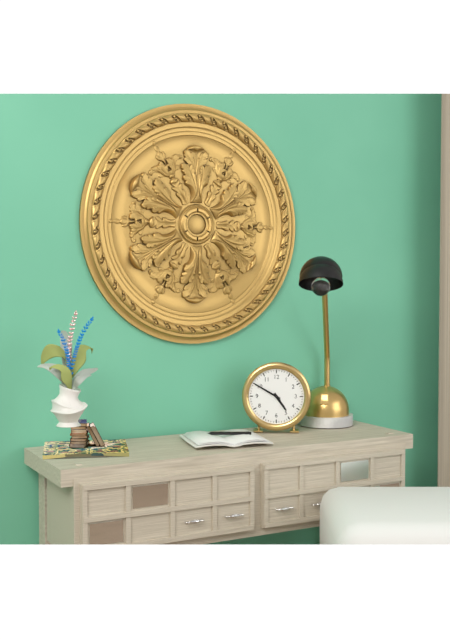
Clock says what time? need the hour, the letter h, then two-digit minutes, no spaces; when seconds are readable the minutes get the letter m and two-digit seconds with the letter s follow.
4h50
